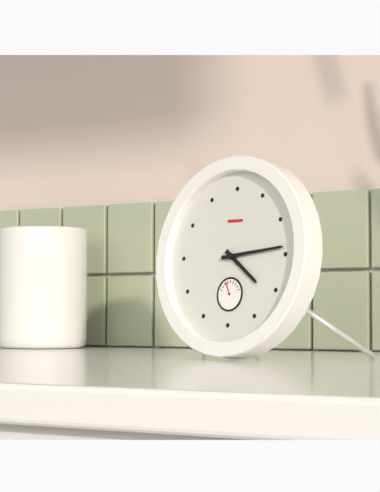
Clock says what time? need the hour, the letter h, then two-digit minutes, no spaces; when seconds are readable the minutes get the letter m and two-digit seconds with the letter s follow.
4h14
